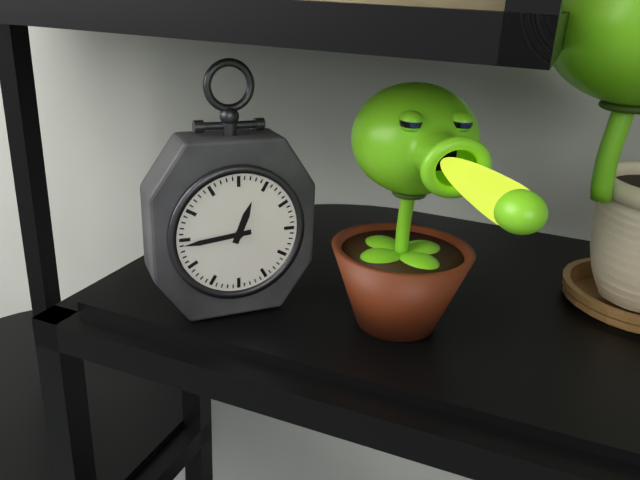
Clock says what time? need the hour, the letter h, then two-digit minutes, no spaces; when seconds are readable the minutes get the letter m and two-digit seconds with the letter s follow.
12h44
